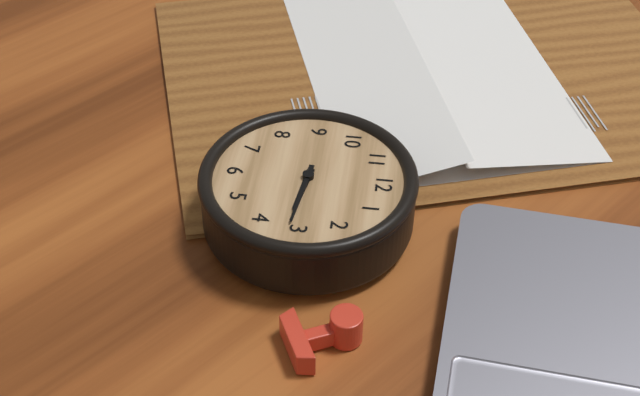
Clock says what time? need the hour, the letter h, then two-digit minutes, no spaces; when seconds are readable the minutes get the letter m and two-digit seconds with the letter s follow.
3h16
